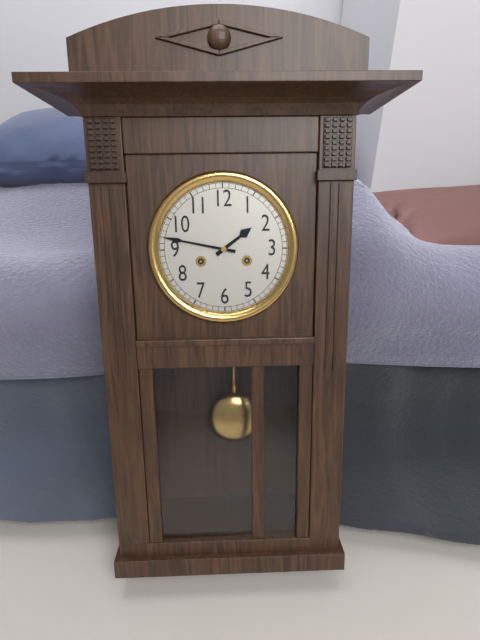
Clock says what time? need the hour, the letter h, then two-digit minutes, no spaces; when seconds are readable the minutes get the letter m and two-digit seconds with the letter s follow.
1h47
